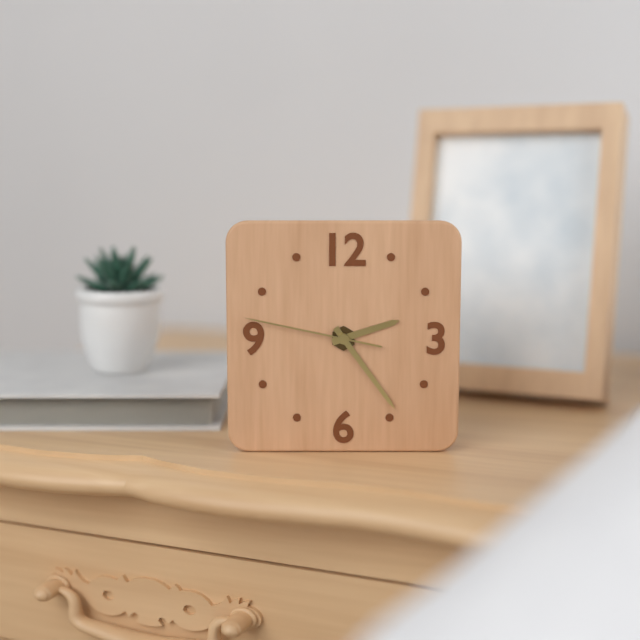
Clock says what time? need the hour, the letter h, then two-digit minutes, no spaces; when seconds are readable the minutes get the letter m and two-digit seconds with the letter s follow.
2h24m47s
